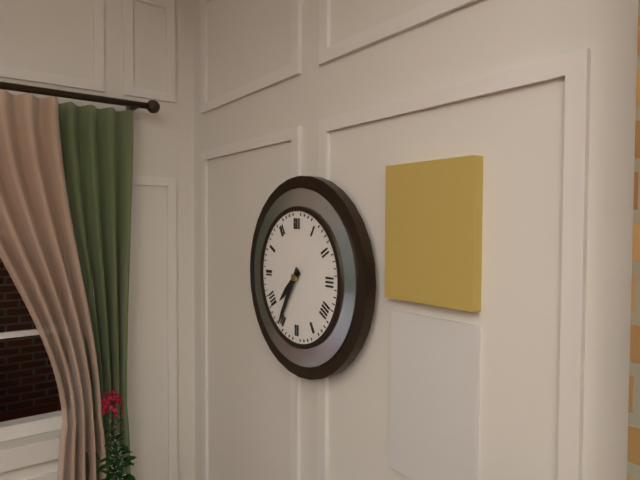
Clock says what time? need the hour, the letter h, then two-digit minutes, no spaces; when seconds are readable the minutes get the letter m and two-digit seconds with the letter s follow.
7h35
